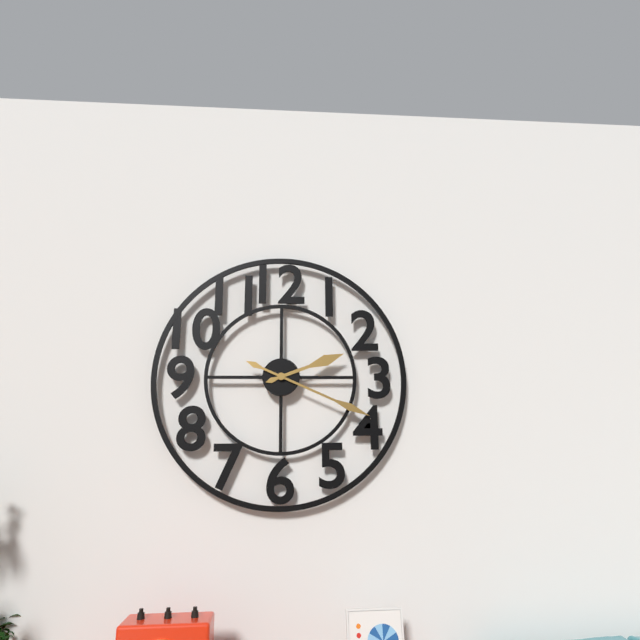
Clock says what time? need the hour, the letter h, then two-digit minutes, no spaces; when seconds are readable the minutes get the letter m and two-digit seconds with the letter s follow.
2h19
